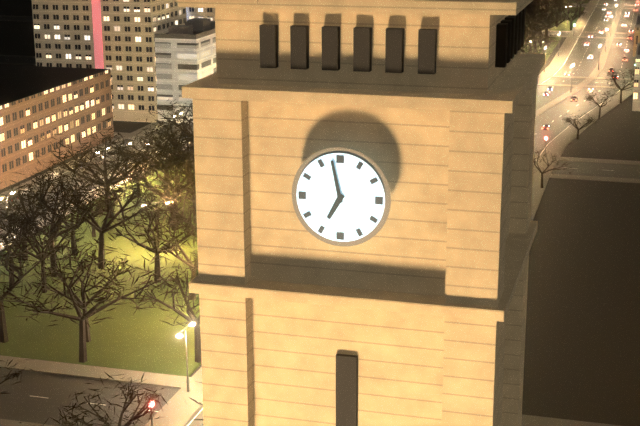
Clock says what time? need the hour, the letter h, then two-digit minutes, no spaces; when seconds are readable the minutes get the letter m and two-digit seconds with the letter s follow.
6h58
